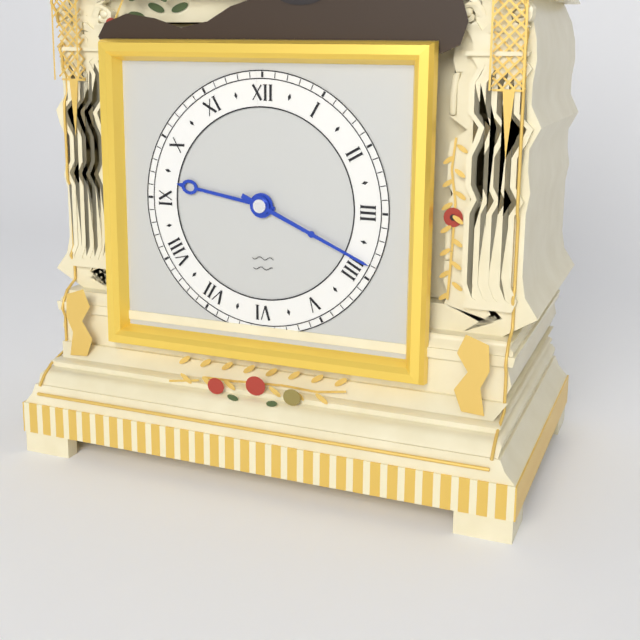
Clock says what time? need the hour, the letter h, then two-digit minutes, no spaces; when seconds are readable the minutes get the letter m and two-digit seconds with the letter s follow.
9h19
